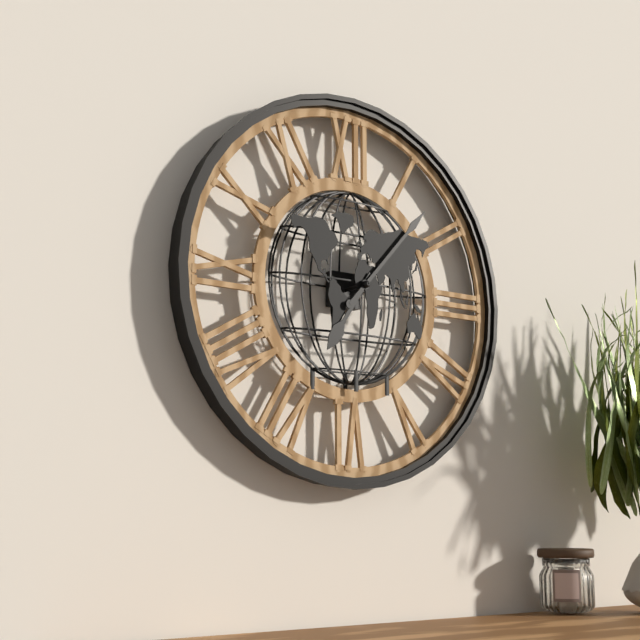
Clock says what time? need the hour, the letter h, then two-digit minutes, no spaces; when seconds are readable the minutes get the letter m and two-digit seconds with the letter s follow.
7h07
